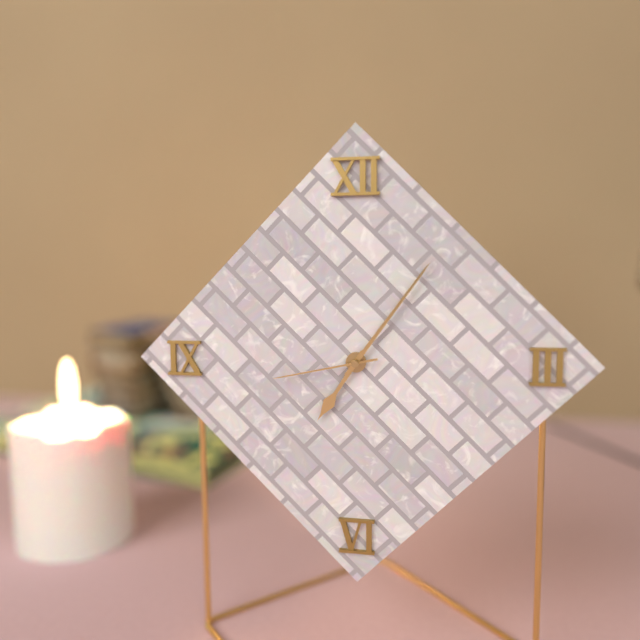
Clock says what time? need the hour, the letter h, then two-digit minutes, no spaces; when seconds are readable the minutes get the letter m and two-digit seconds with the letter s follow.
7h06m43s
